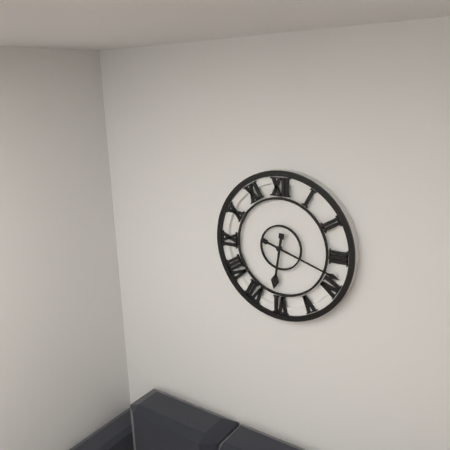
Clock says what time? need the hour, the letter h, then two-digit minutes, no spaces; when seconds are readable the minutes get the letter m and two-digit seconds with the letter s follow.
6h18
